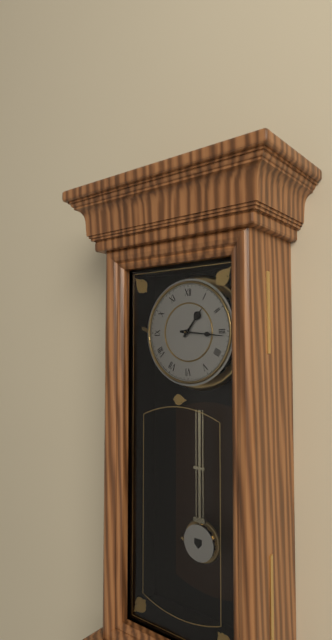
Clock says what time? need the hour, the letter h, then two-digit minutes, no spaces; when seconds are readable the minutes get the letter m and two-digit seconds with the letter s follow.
1h16
